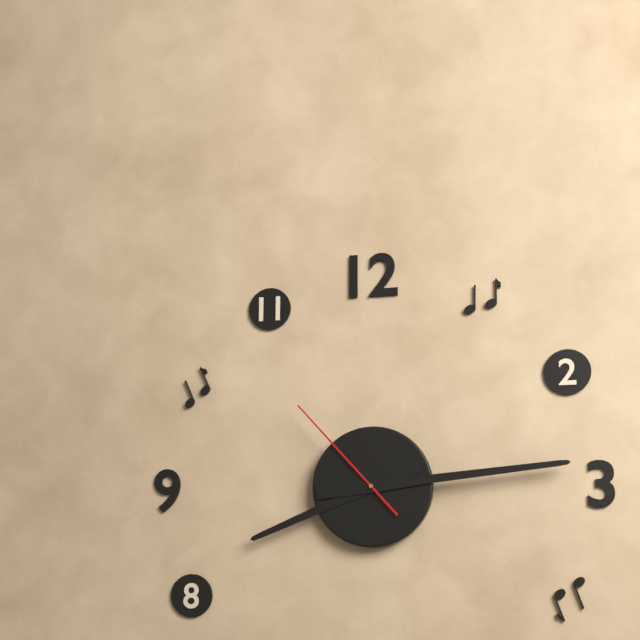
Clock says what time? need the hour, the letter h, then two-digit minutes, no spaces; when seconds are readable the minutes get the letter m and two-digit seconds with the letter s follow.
8h14m53s
